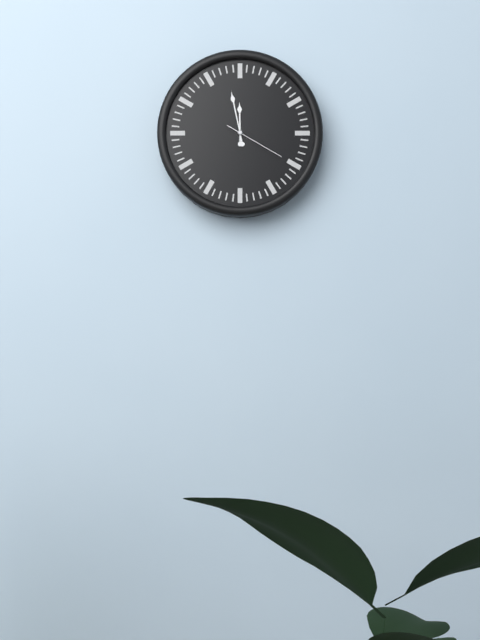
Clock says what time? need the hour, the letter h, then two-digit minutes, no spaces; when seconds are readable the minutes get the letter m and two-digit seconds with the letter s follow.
11h58m20s
